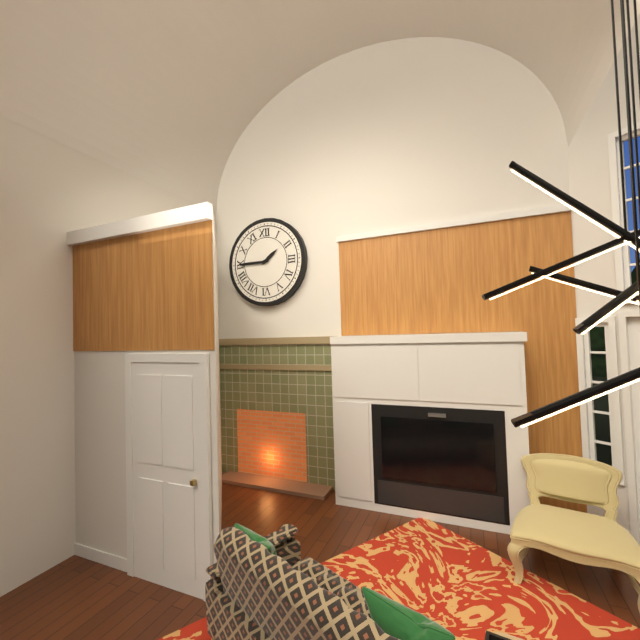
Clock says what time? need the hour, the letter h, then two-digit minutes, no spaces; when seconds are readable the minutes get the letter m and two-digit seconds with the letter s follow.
1h45
